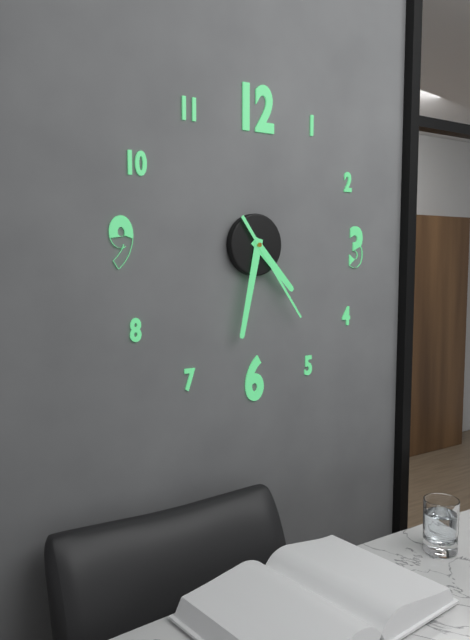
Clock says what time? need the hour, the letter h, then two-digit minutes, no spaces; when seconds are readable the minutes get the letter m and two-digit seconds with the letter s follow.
4h32m24s
